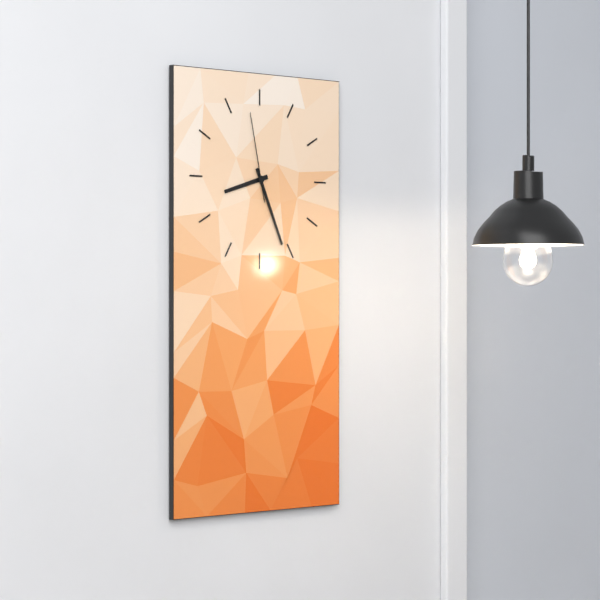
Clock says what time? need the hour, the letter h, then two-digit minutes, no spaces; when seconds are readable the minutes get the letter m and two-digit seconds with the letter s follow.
8h26m58s
